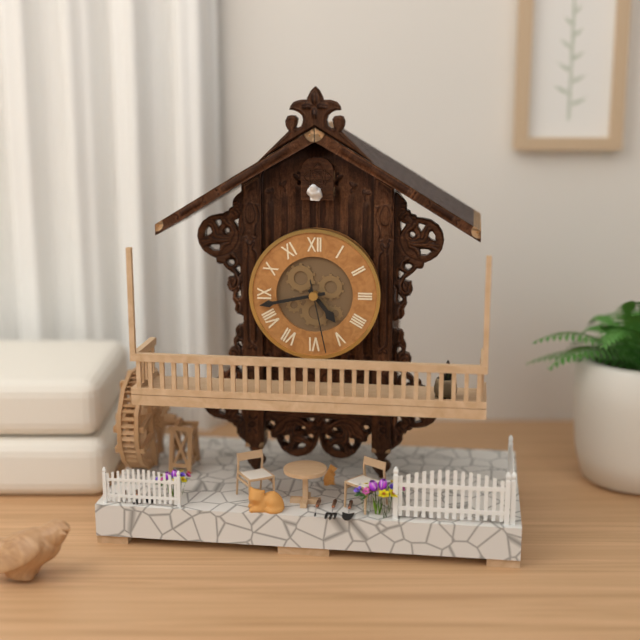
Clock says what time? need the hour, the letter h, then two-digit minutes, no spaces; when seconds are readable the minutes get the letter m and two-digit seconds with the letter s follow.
4h43m28s
